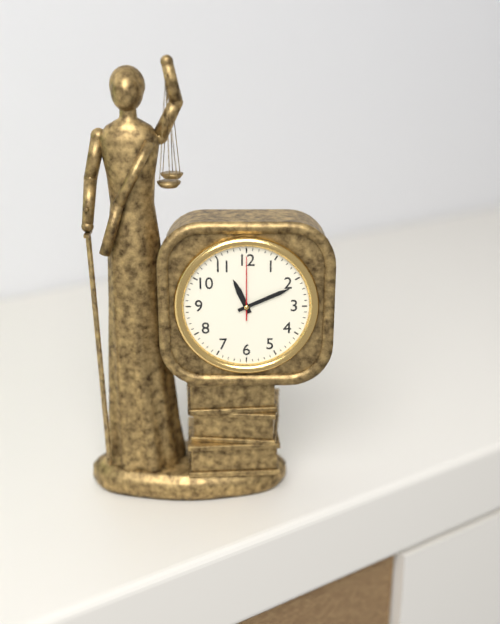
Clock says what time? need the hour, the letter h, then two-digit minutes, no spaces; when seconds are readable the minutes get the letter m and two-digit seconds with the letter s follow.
11h11m00s
